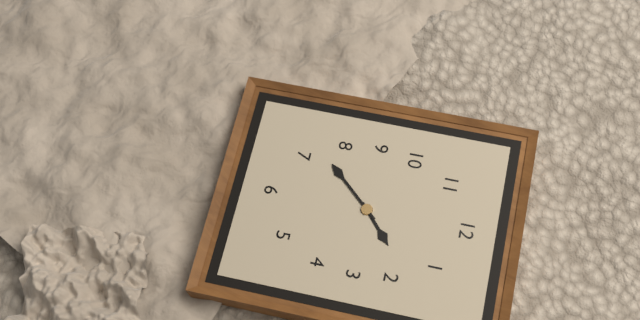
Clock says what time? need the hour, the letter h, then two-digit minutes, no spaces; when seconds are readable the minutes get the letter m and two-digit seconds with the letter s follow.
1h37
